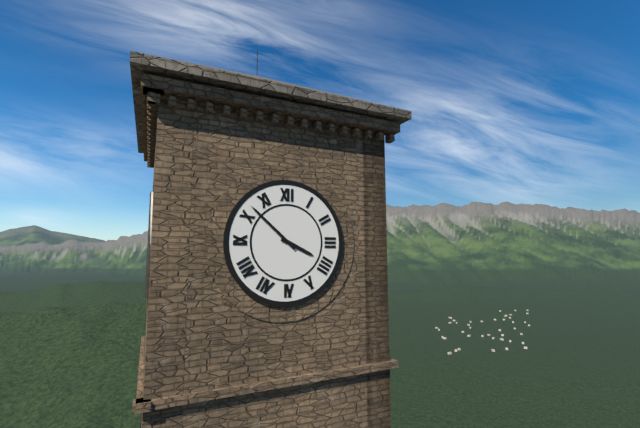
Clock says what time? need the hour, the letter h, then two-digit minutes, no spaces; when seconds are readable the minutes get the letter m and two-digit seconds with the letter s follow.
3h52
